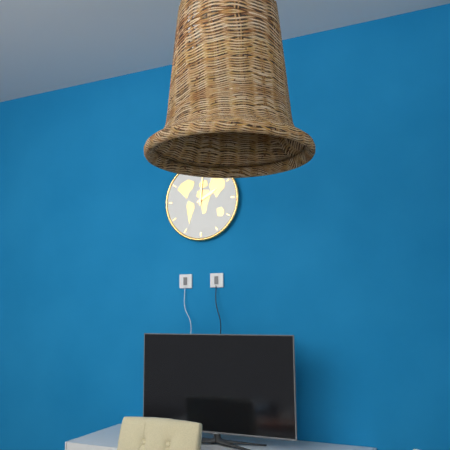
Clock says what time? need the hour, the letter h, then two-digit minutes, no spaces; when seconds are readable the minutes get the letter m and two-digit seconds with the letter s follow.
2h01
